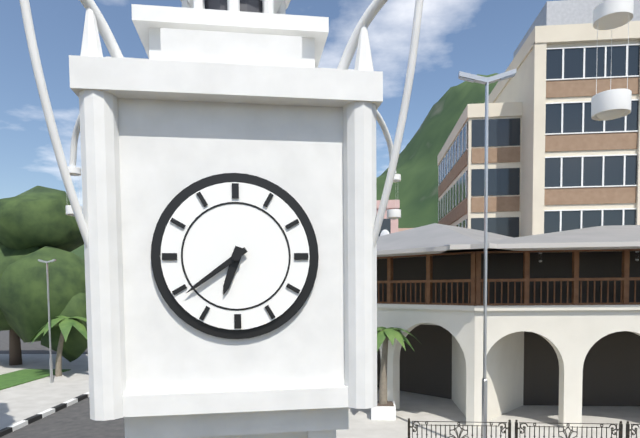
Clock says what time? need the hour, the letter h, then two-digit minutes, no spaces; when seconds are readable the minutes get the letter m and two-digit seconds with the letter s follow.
6h39
